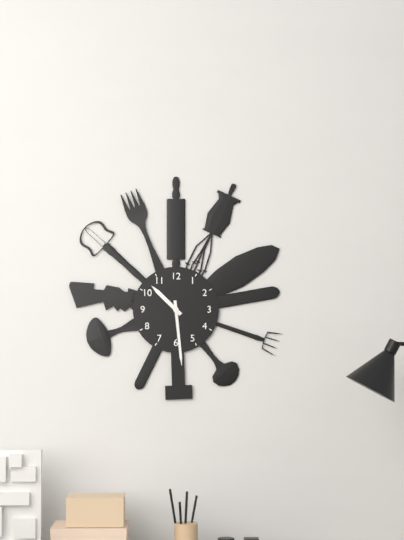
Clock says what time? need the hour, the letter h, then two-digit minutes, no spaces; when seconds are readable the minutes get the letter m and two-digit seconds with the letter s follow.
10h29
